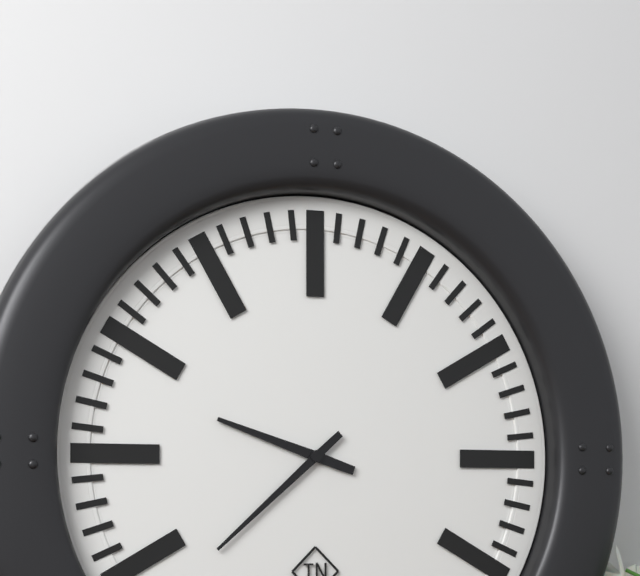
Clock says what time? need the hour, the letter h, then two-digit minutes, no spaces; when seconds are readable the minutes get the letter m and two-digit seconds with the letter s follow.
9h38
